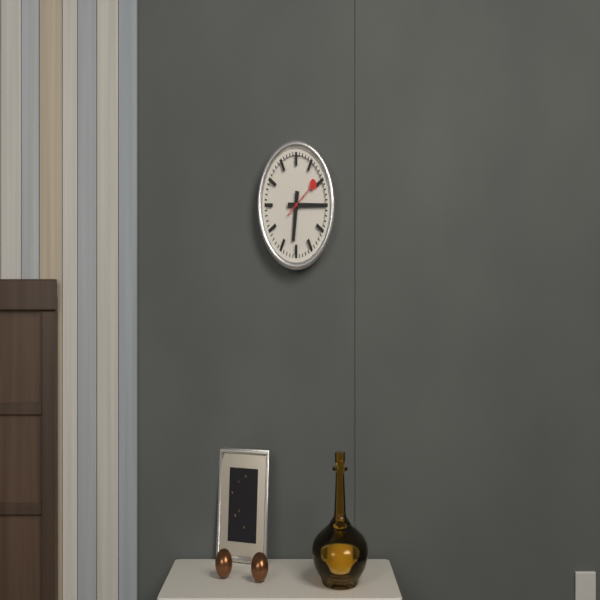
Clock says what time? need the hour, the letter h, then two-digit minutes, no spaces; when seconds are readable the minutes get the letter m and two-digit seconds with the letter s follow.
6h15
